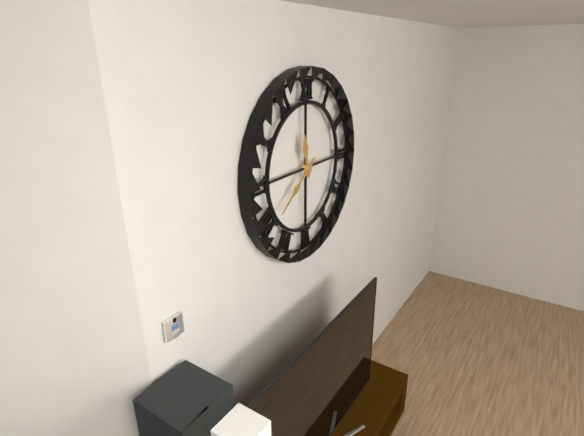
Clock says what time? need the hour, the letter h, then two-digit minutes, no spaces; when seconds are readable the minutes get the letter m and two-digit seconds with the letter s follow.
11h39
